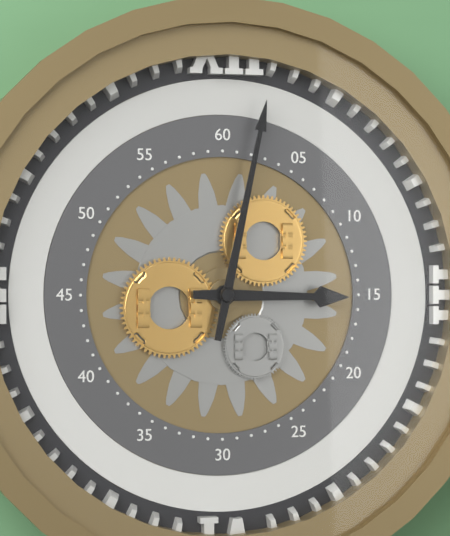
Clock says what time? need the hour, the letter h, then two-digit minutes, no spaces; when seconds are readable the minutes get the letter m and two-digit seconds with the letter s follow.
3h02
